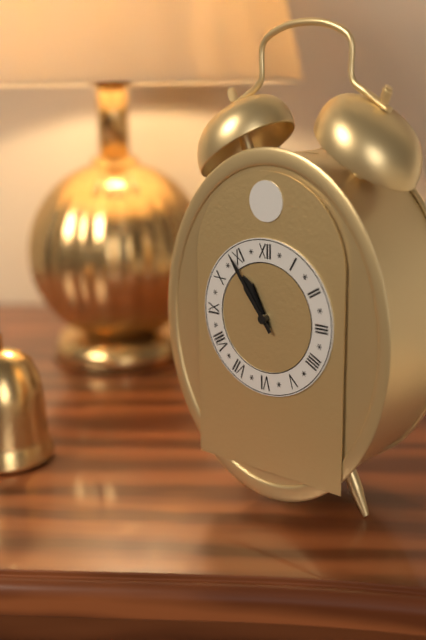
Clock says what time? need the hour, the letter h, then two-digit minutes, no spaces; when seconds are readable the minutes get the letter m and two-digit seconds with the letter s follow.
10h54
